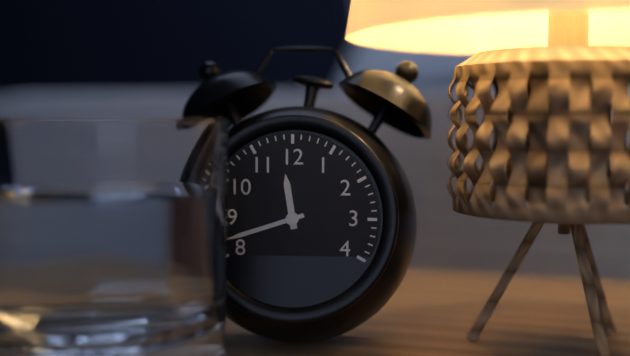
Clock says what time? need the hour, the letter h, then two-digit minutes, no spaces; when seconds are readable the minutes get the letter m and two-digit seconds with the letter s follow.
11h42
